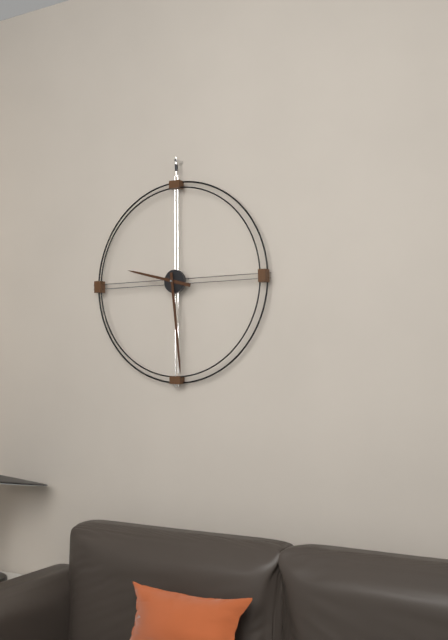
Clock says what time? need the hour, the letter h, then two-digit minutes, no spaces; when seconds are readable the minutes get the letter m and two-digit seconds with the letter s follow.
9h29
